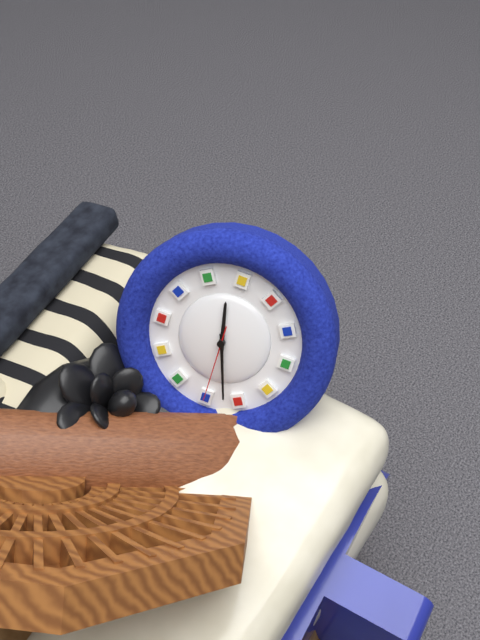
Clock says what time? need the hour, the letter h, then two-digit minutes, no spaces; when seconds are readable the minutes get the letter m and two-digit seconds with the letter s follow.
1h37m40s
